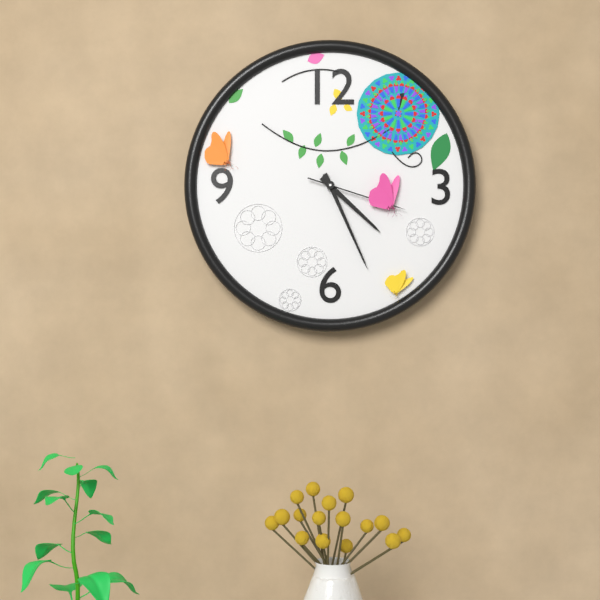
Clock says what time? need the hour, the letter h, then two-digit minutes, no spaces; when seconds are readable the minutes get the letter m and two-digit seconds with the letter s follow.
4h26m18s
